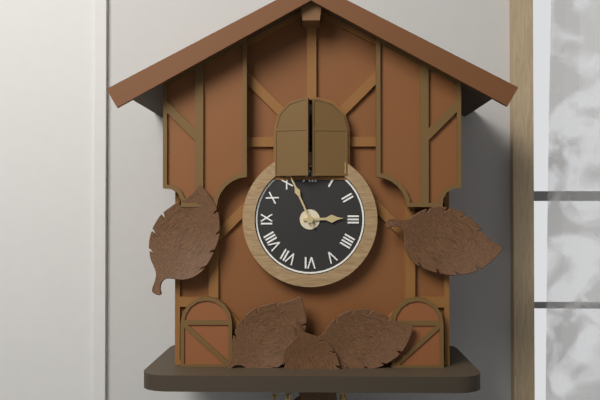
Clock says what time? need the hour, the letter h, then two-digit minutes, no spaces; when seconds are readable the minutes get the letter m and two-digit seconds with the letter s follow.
2h56
